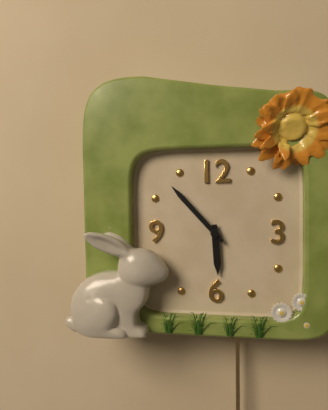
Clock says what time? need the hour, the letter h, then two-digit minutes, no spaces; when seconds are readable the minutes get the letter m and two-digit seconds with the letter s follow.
5h53
